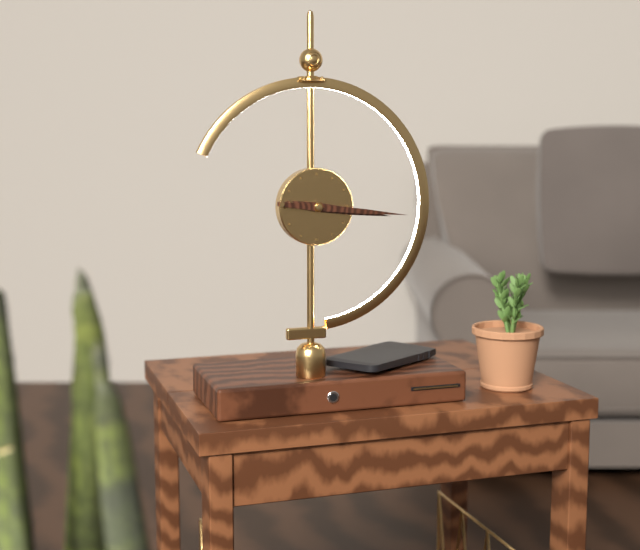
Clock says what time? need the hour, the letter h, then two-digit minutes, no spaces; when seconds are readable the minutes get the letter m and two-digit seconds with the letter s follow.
3h16
